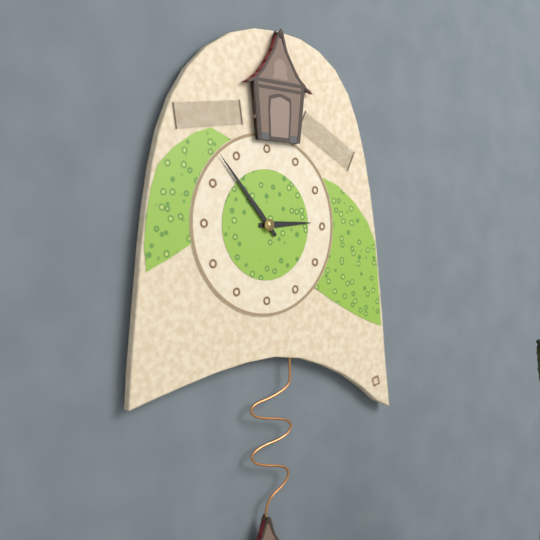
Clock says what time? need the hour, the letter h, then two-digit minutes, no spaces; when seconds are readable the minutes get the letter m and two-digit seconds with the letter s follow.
2h53
